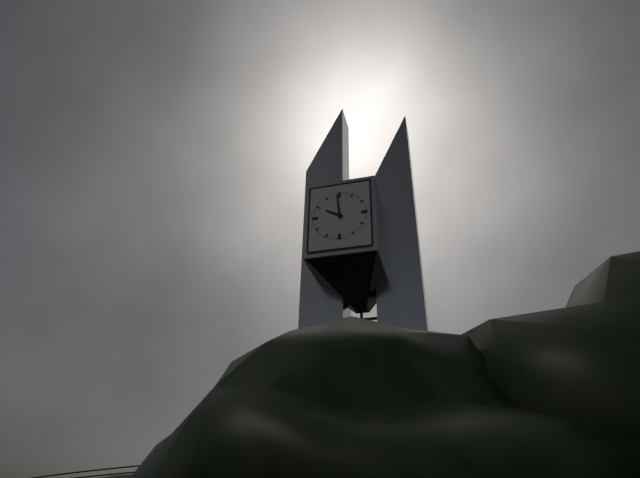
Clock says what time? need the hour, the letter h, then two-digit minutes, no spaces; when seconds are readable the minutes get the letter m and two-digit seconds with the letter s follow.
9h59
